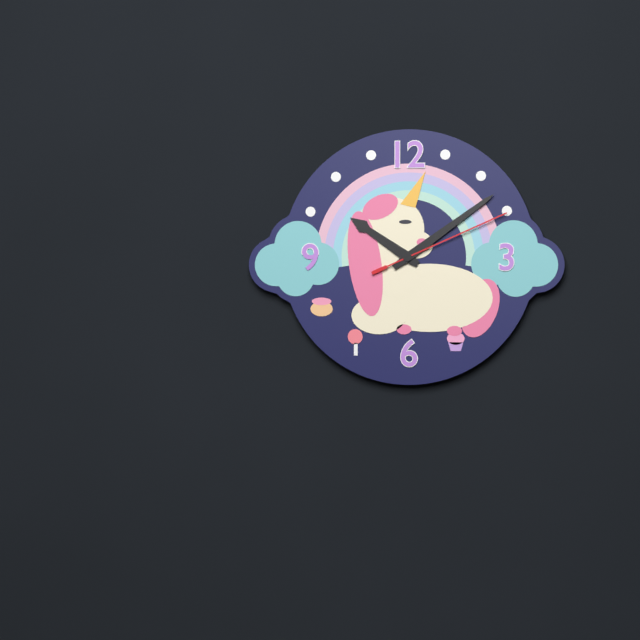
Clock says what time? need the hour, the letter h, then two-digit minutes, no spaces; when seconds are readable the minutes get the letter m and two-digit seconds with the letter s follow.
10h09m11s
